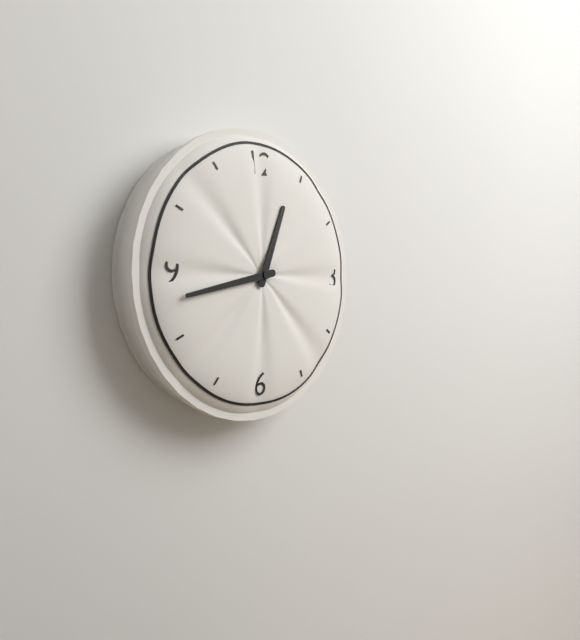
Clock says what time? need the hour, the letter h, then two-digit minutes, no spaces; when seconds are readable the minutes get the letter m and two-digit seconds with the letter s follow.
12h43
